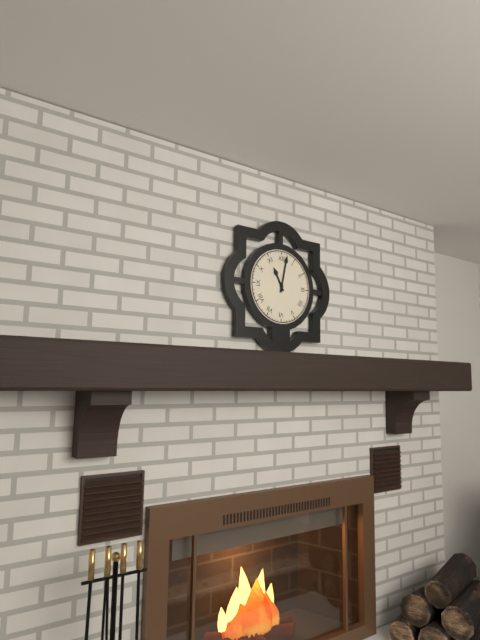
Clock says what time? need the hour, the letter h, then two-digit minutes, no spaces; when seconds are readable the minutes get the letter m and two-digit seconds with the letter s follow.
11h02
